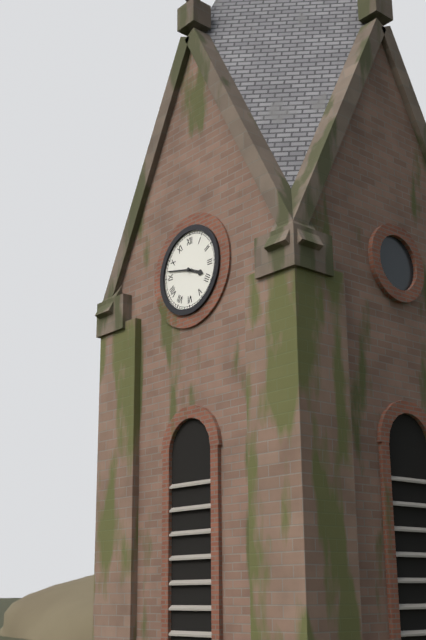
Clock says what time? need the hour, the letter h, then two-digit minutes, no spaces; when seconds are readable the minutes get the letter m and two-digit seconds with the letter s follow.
3h47
